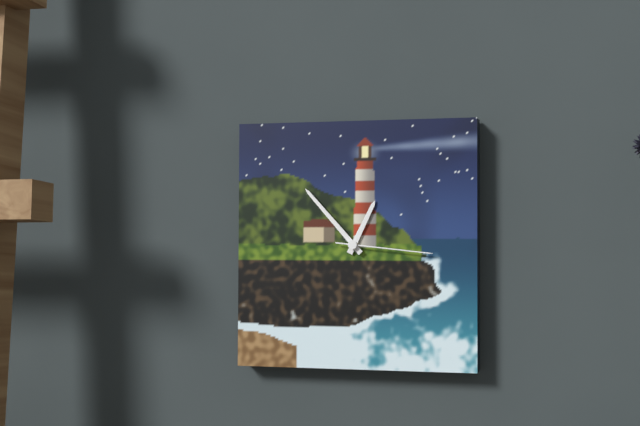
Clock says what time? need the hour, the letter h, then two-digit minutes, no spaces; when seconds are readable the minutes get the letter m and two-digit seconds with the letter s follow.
12h53m16s
